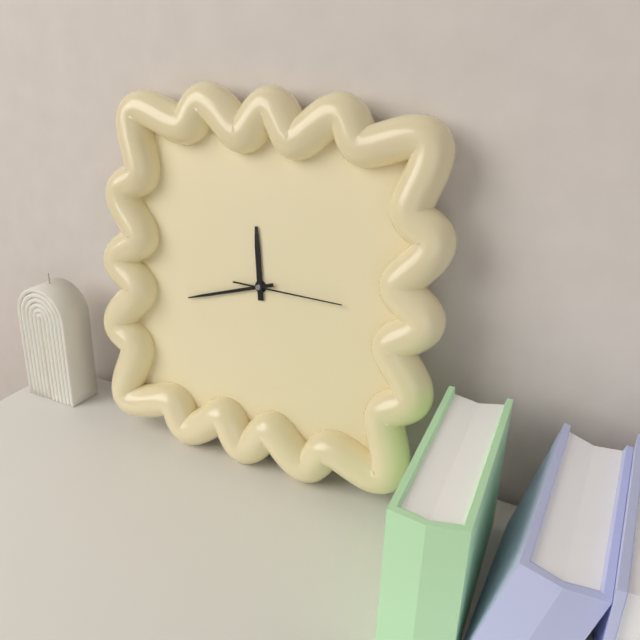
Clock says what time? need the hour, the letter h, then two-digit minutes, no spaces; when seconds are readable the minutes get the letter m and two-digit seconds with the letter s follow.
11h42m15s
